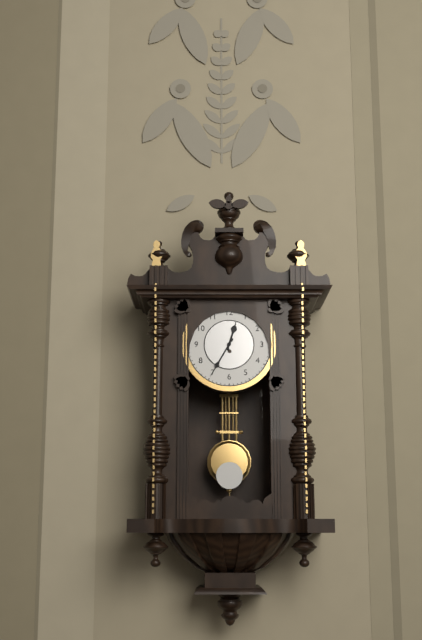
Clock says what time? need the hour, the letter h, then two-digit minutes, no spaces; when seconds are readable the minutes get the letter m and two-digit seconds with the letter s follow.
12h35
